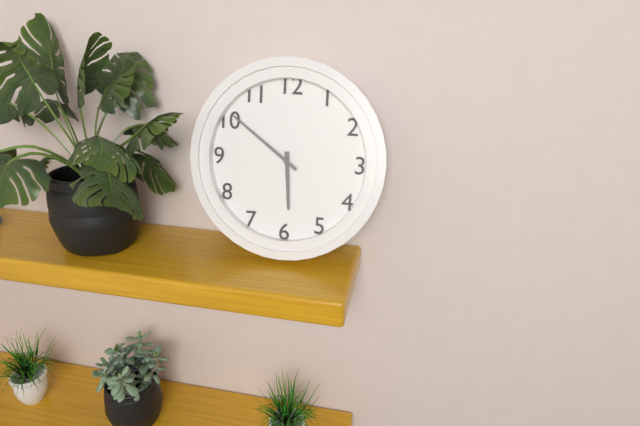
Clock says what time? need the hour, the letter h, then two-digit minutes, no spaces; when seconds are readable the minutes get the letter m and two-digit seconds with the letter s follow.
5h51
